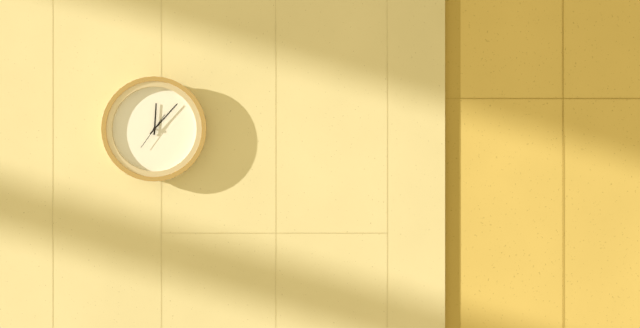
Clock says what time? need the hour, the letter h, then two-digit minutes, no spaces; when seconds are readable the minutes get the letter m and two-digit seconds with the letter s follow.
12h07
